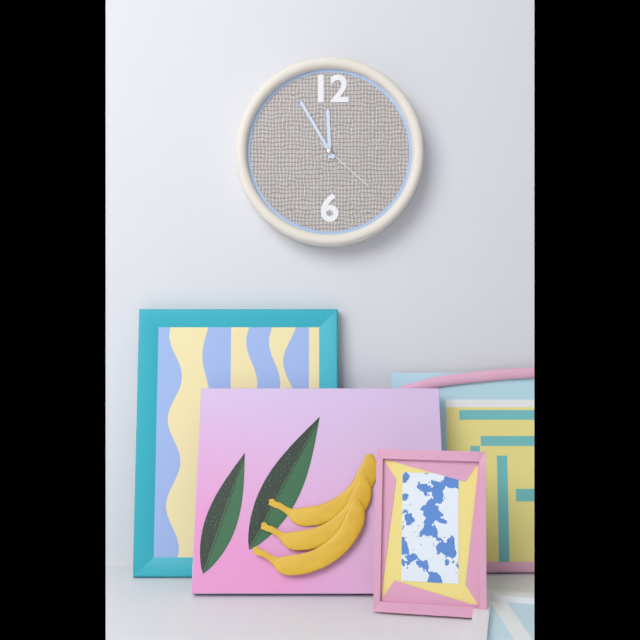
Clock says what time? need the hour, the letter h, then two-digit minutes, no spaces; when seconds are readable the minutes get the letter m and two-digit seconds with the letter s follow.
11h55m22s
